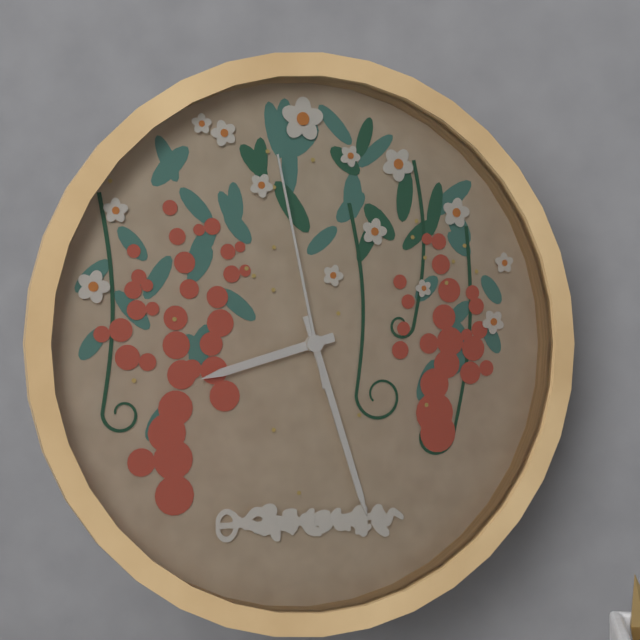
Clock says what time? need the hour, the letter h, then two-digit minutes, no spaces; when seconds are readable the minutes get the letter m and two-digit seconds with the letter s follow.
8h27m58s
